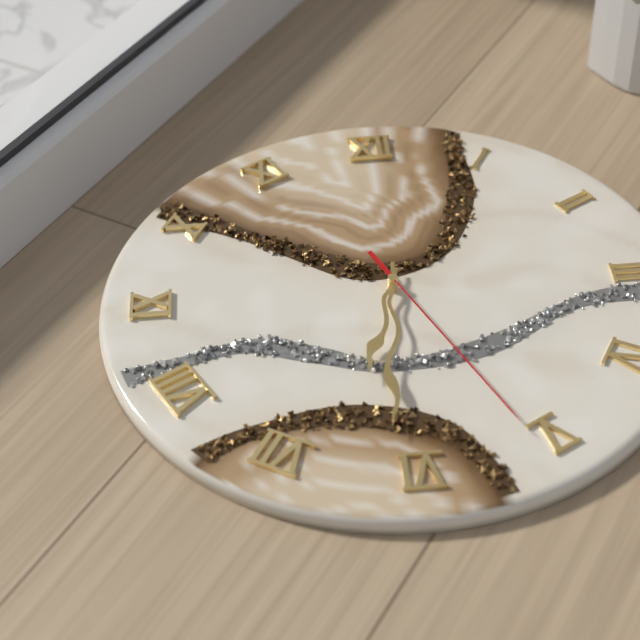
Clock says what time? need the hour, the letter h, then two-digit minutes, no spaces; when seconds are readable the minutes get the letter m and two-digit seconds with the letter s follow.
6h31m26s
